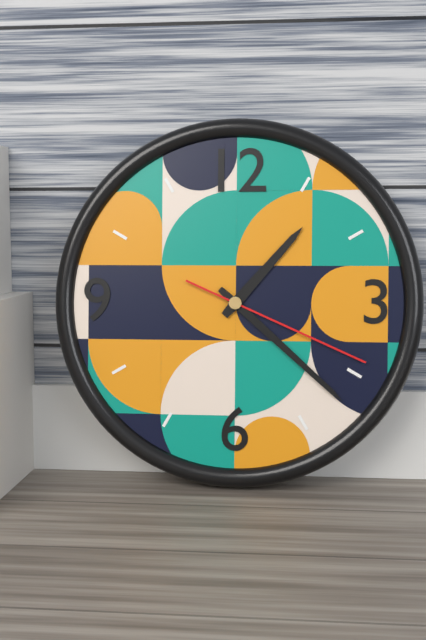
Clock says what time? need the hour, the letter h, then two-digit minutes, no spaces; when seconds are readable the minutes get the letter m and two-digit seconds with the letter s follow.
1h22m19s
